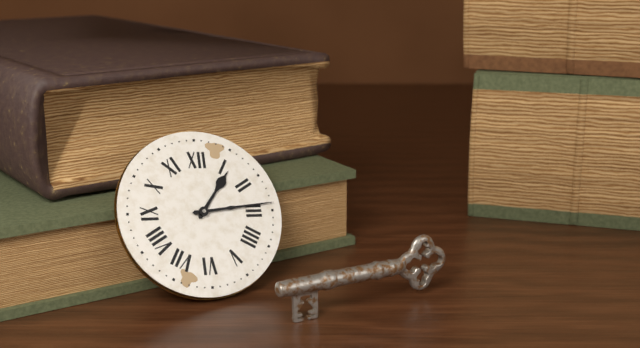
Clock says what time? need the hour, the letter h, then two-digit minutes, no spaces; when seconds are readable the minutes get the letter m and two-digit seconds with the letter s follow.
1h14
